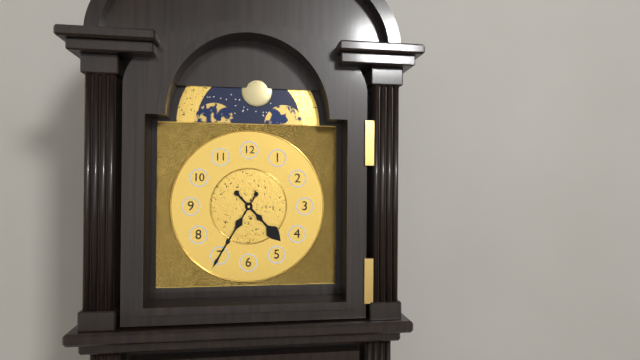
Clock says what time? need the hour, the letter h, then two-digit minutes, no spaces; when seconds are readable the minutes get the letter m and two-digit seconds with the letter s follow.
4h35
